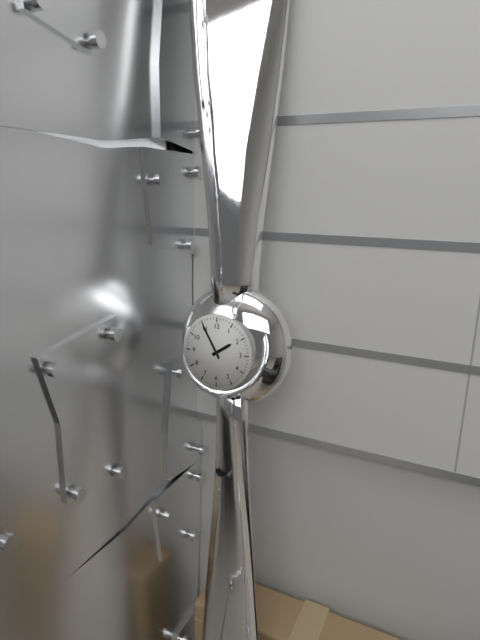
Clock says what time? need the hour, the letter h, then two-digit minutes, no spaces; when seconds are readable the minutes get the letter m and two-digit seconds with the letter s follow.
1h55
